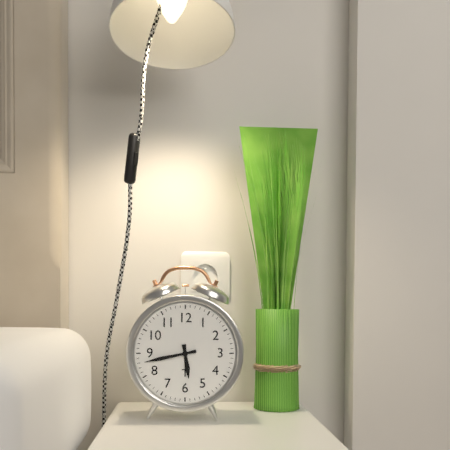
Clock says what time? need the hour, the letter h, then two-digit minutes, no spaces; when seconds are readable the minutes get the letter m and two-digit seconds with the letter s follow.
5h43
